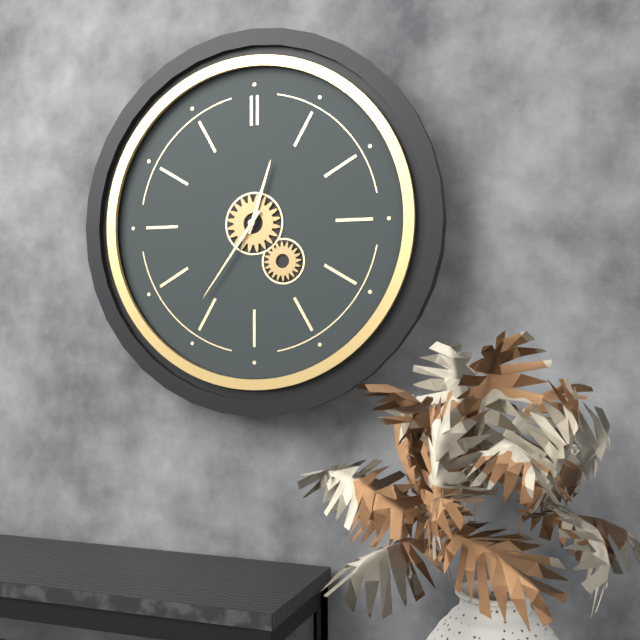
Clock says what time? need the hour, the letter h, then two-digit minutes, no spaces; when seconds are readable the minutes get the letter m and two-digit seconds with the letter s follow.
12h36
